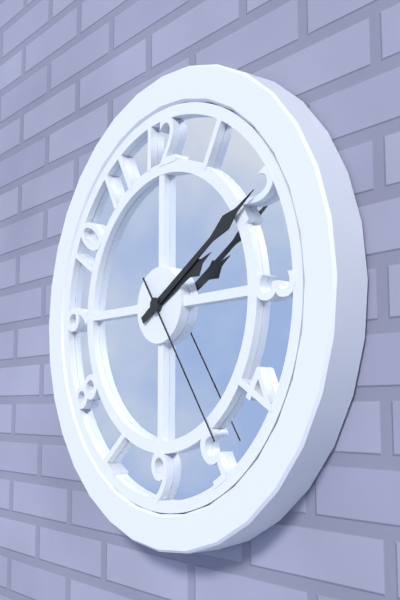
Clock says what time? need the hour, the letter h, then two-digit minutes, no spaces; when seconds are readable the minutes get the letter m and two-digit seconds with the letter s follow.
2h10m24s
